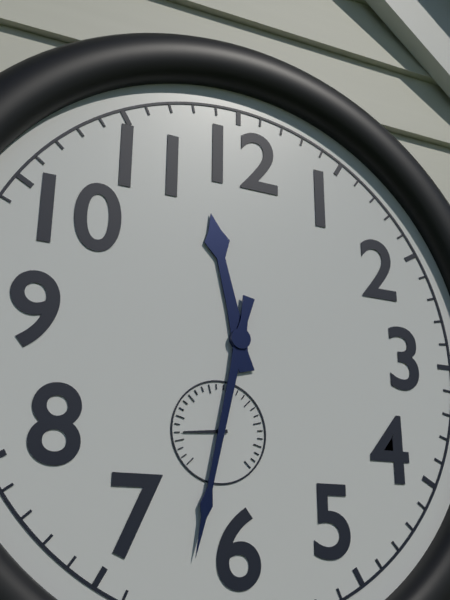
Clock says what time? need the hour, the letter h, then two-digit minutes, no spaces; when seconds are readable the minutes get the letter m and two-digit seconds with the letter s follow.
11h32
